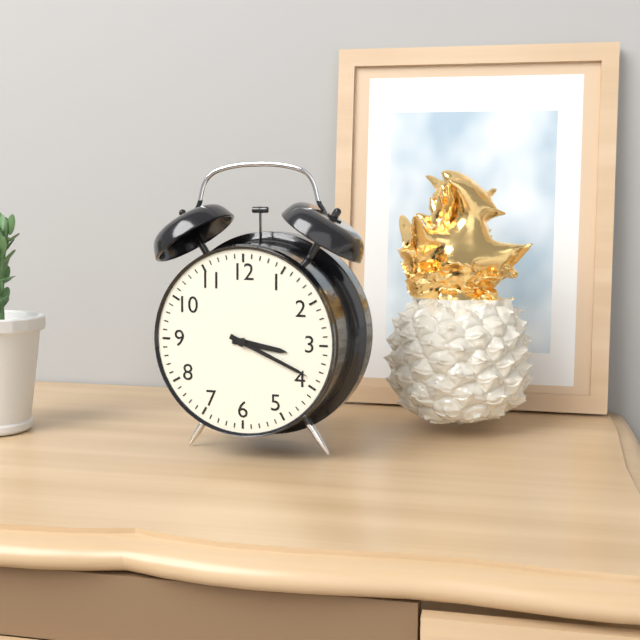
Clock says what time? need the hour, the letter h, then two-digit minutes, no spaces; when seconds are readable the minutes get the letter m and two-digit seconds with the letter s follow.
3h19
